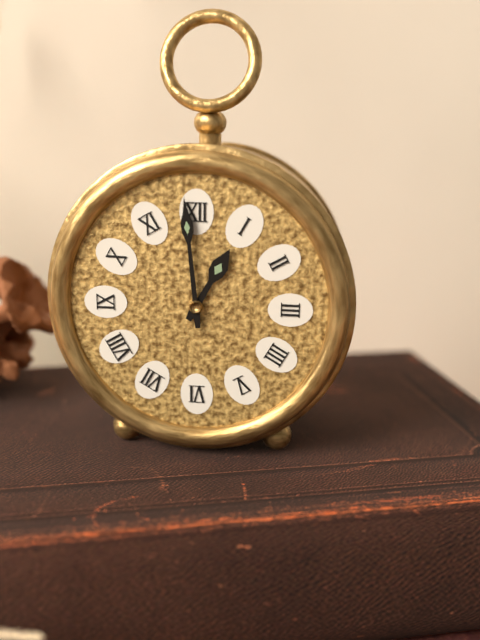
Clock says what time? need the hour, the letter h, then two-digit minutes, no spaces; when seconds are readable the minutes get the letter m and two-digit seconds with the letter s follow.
12h59
